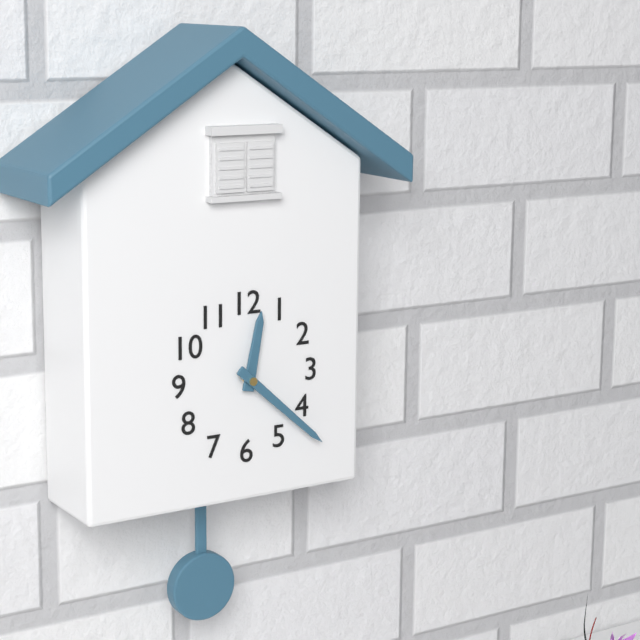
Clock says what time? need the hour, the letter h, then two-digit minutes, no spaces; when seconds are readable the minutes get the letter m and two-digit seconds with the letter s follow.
12h22
